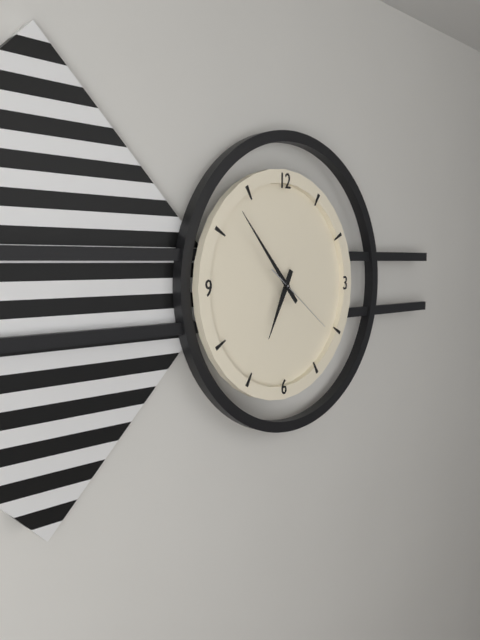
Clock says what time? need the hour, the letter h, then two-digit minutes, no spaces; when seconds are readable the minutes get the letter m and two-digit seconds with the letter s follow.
6h53m21s
